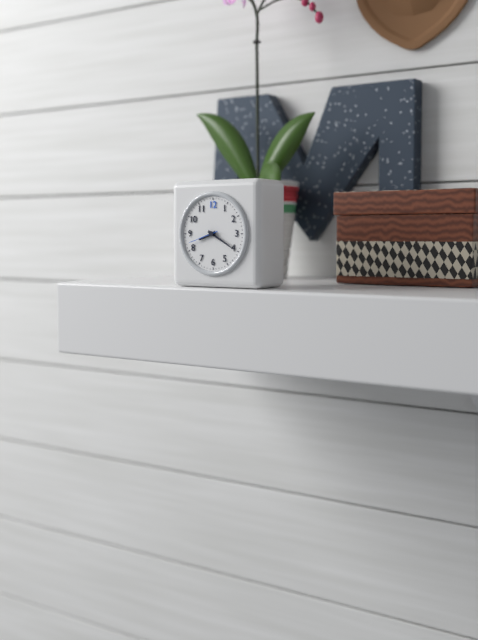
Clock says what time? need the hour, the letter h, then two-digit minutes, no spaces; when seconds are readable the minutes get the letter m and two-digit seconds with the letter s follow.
8h20
